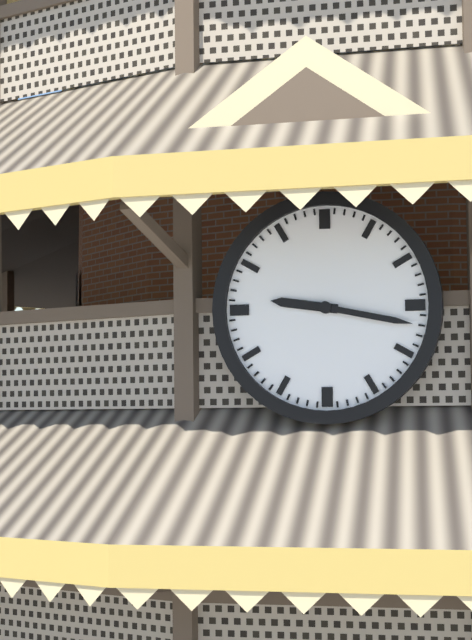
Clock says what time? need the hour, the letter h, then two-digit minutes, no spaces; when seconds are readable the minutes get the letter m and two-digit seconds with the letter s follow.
9h17
